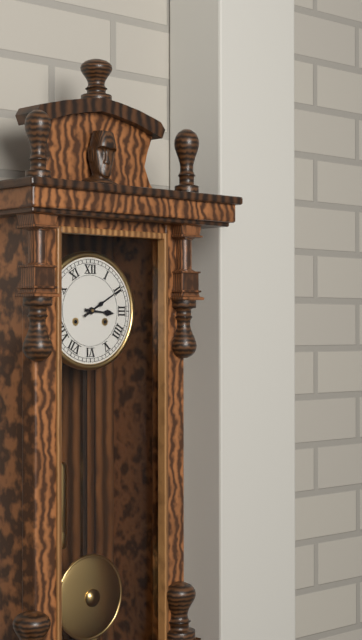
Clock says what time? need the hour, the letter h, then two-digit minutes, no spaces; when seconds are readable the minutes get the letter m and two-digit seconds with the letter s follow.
3h10
